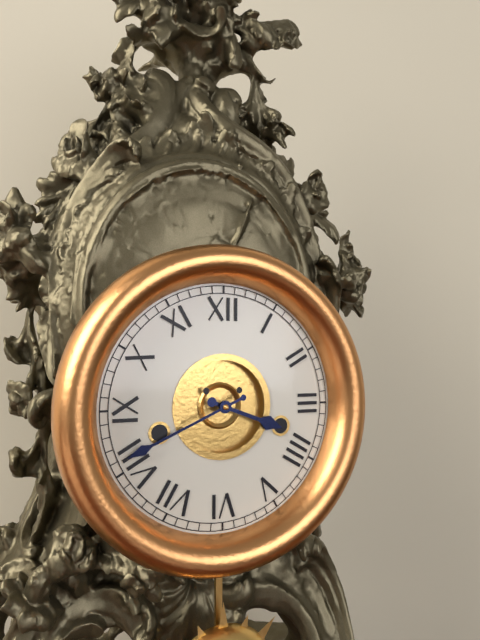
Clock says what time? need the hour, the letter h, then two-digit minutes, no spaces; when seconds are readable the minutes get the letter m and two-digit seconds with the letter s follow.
3h41
